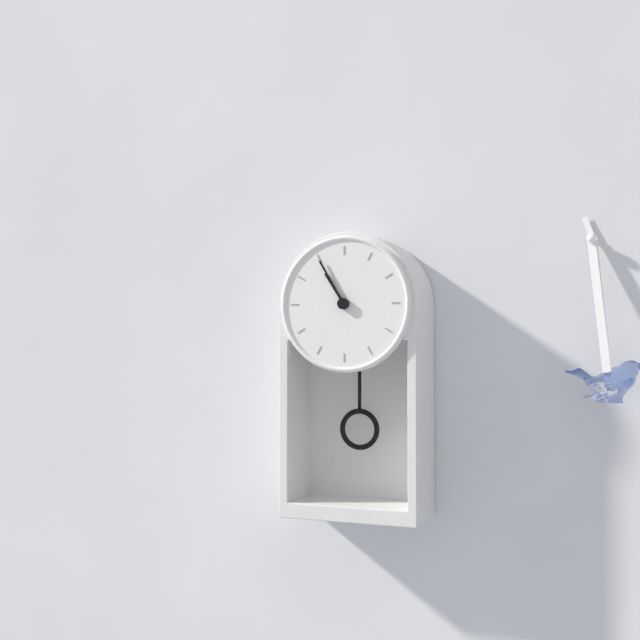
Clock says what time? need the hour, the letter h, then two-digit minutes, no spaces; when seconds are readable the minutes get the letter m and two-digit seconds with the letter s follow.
10h55
